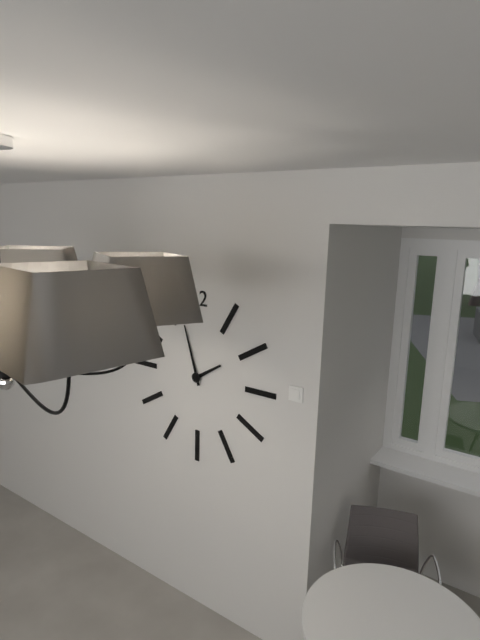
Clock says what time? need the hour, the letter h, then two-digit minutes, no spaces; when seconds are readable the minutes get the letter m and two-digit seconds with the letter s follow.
1h57
